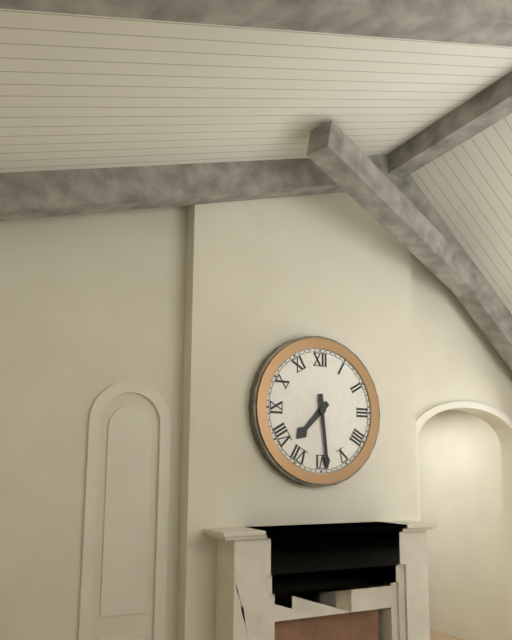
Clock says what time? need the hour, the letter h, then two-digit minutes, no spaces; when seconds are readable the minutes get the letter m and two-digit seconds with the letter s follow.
7h29
